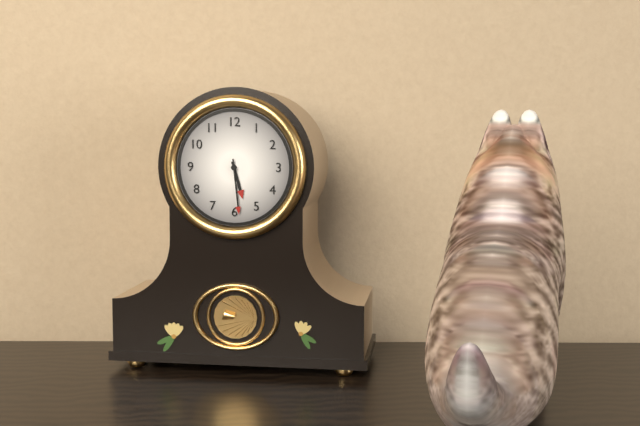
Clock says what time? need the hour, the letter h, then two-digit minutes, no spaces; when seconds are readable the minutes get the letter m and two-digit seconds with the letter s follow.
5h29
